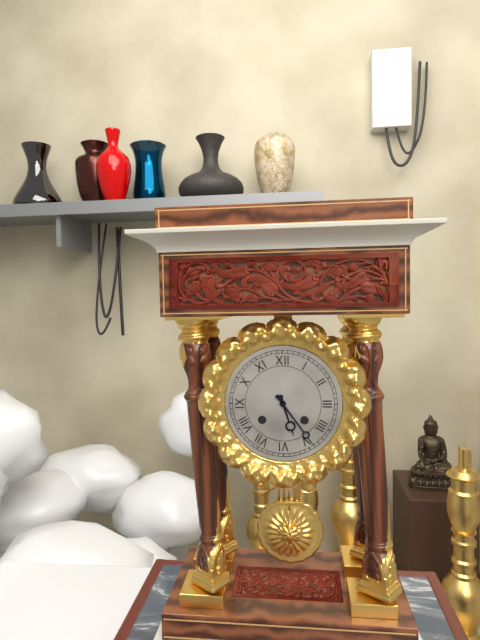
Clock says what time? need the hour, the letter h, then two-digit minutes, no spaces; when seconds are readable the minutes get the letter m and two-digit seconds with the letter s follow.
5h24
